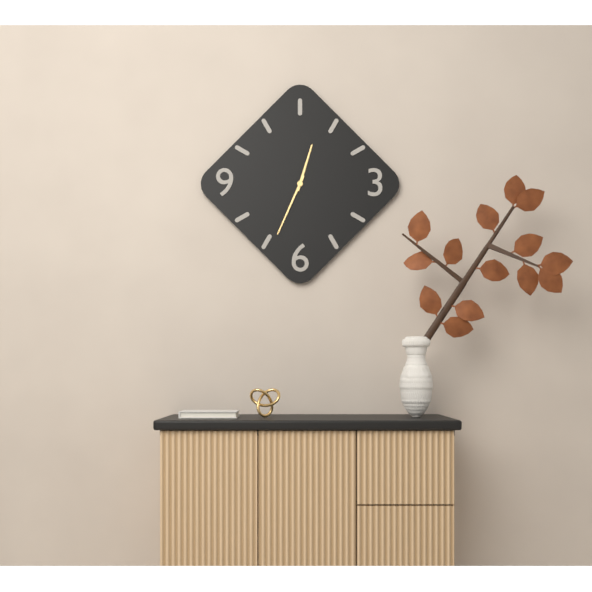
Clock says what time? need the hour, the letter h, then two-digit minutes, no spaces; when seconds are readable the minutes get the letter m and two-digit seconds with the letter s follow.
12h34
